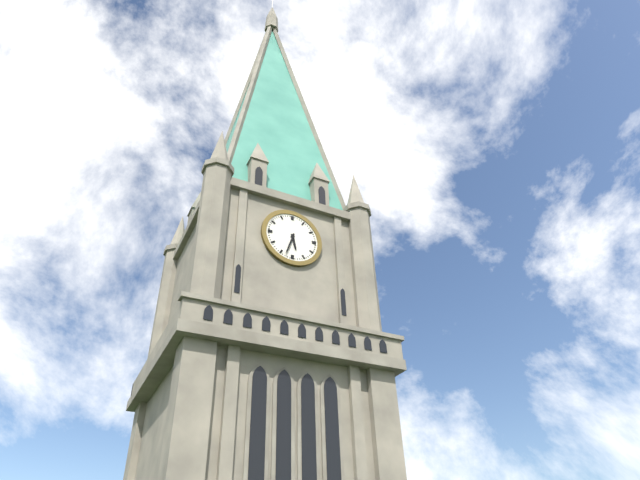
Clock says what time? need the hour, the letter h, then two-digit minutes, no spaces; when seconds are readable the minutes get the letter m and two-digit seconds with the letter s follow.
5h33
